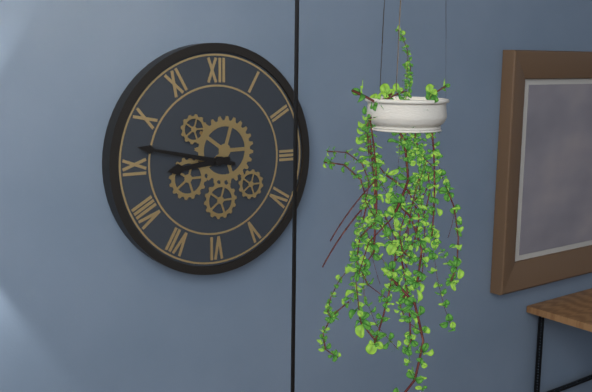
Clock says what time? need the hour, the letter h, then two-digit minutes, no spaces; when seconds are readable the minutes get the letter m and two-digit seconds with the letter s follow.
8h47
